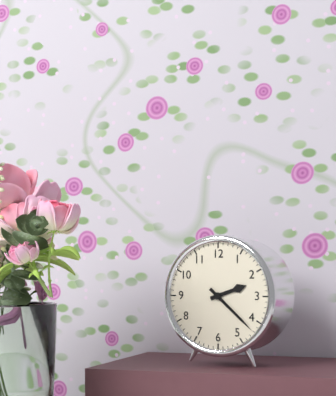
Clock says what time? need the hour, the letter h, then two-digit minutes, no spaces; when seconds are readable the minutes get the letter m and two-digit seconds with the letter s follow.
2h22
